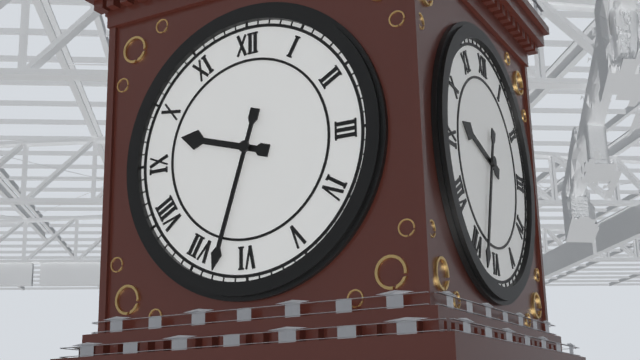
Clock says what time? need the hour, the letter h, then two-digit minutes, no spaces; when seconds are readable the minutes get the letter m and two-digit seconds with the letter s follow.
9h33
